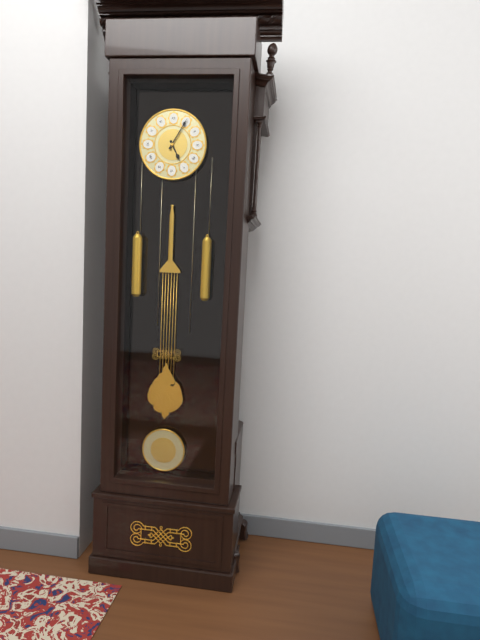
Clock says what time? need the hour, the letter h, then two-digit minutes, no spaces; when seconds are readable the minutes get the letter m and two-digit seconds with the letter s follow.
5h05
